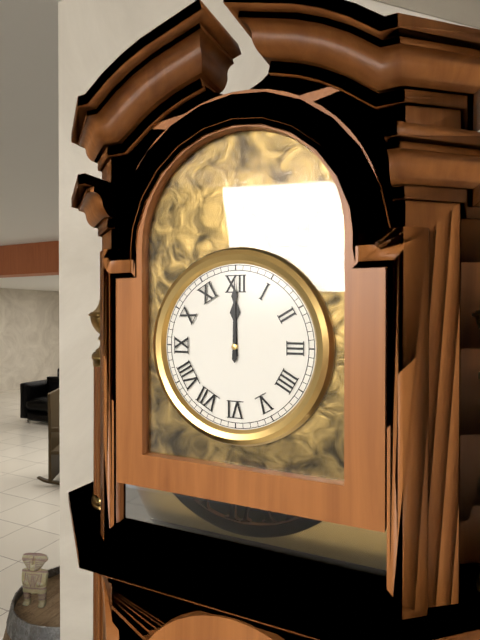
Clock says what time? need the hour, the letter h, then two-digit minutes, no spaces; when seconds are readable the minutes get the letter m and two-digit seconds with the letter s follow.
12h00
